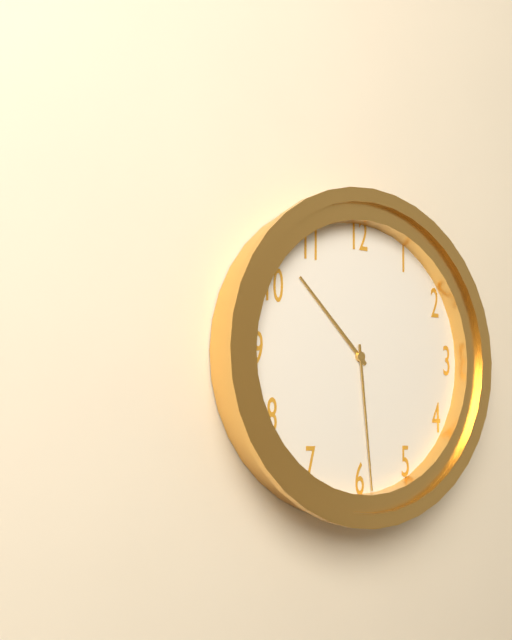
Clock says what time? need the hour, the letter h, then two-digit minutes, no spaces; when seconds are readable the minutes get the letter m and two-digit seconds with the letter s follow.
10h29
